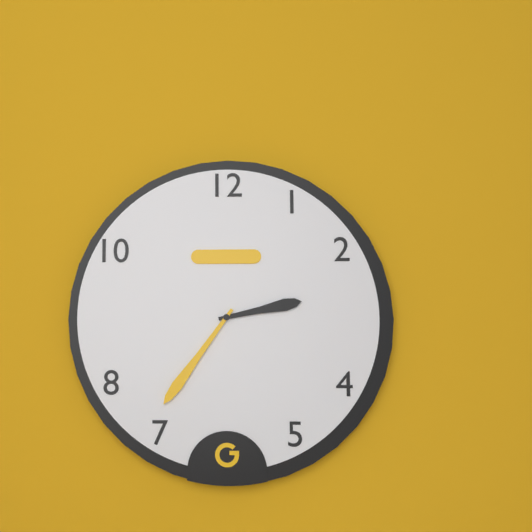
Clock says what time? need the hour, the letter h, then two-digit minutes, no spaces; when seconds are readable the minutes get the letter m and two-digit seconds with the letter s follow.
2h36
